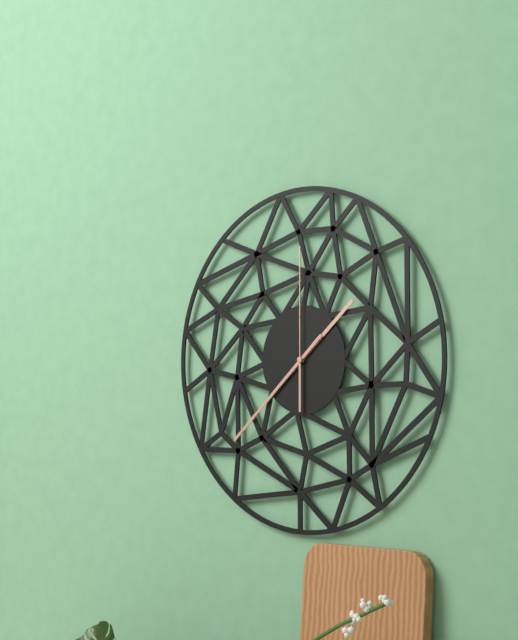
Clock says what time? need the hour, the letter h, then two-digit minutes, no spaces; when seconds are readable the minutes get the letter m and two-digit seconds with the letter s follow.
1h38m00s
